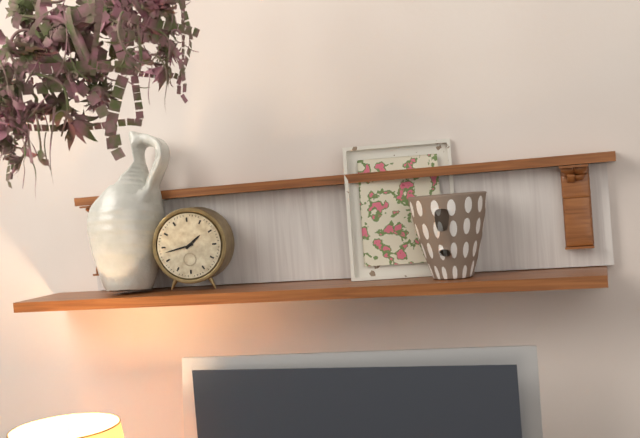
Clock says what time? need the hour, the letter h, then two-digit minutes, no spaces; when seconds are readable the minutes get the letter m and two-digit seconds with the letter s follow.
1h43
